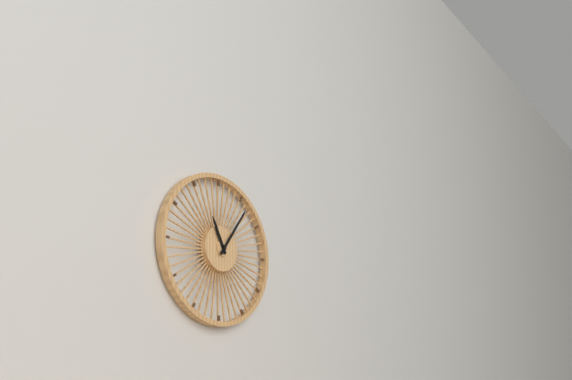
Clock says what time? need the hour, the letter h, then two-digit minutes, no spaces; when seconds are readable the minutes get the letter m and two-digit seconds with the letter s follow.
11h06
